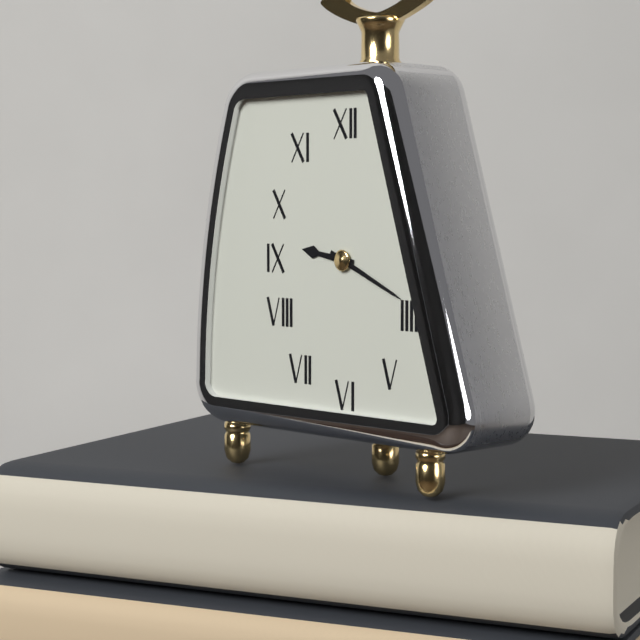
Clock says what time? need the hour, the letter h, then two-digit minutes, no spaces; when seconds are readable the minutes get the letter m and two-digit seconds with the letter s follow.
9h19
